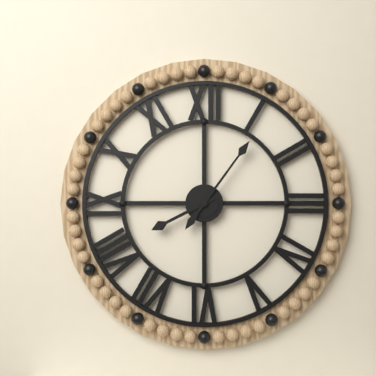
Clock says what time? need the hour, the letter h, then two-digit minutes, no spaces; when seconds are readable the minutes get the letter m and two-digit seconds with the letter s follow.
8h06
